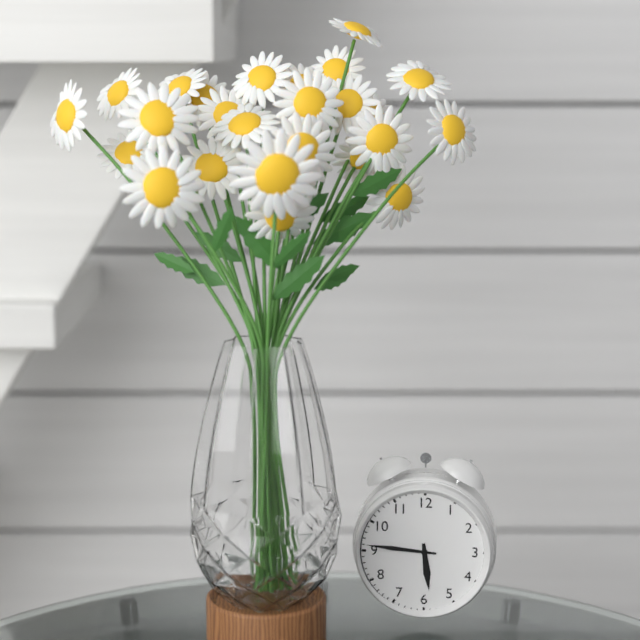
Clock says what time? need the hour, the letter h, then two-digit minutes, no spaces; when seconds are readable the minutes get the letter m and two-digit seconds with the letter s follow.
5h46
